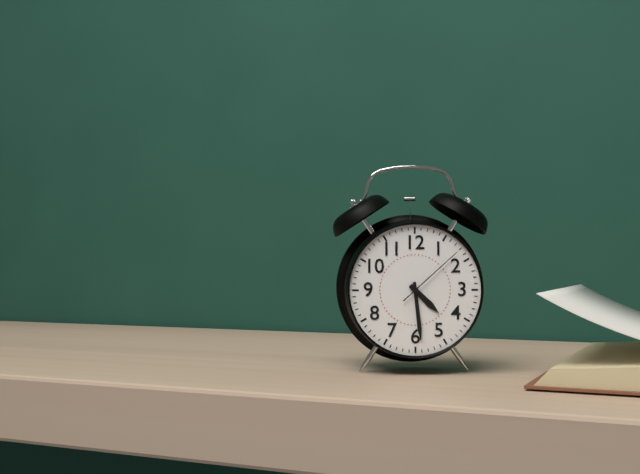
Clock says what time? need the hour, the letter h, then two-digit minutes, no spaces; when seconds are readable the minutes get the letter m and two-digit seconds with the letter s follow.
4h29m08s
